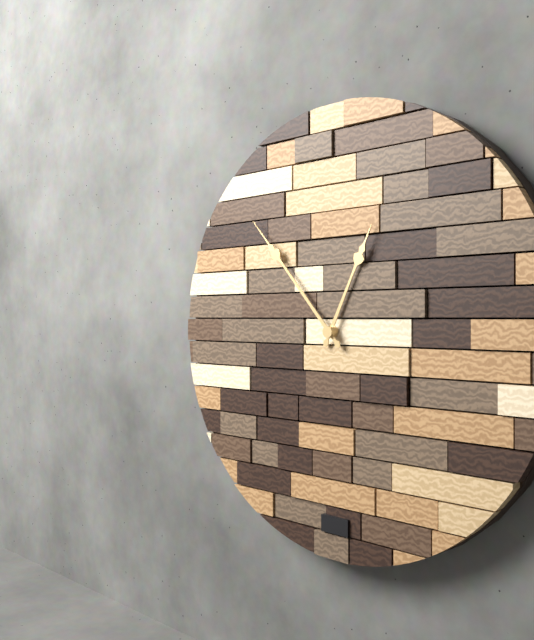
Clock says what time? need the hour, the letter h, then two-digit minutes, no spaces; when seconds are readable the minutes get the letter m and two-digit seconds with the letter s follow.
12h53
